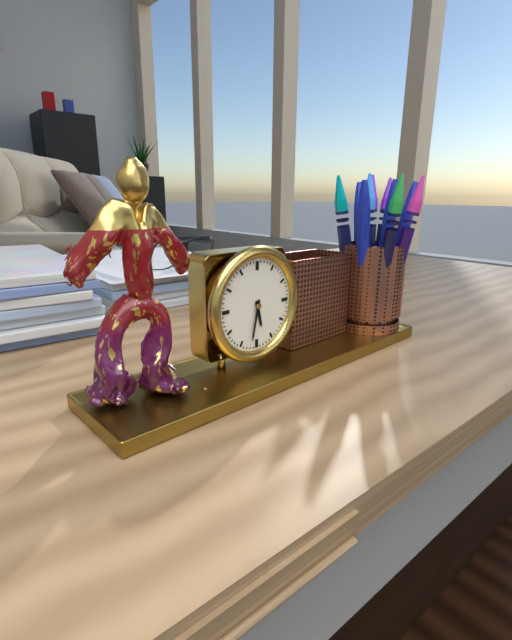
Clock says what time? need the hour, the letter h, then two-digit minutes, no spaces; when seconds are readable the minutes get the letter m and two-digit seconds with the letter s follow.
5h32
